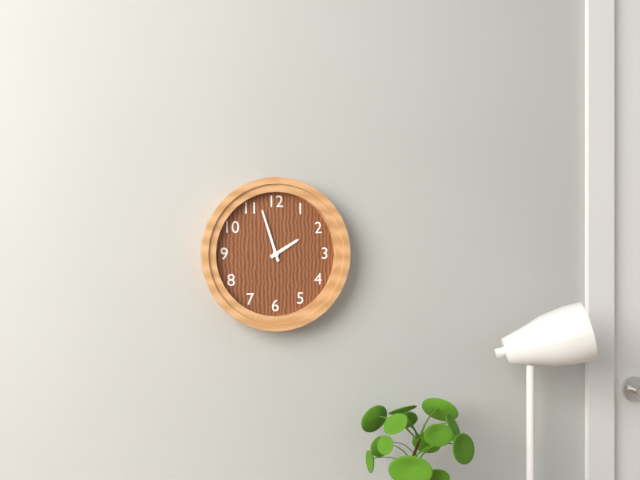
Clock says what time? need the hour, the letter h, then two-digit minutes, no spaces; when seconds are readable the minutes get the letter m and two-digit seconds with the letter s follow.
1h57
